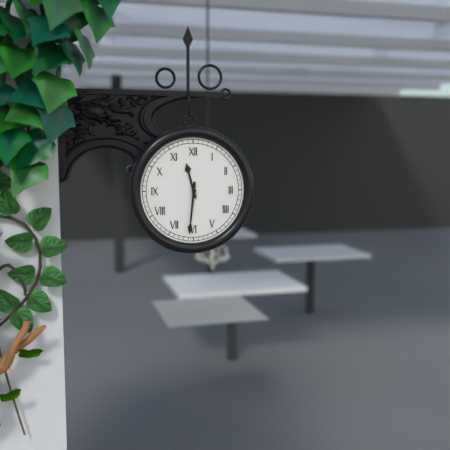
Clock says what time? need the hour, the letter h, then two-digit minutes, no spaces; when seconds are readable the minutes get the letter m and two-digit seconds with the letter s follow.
11h31
